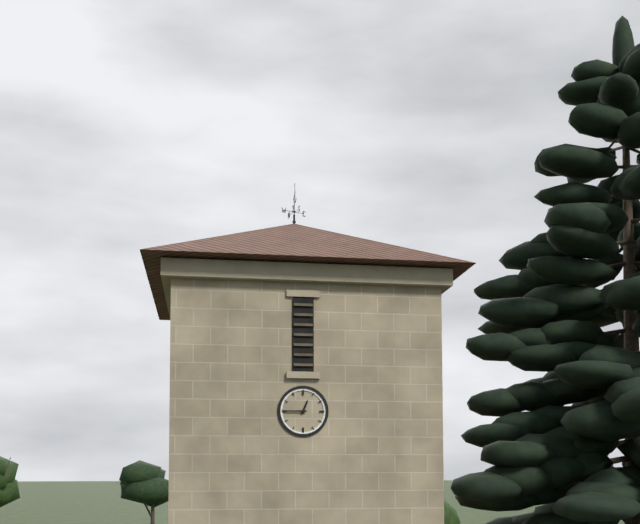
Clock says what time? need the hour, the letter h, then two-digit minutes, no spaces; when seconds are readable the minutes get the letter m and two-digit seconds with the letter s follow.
12h45
